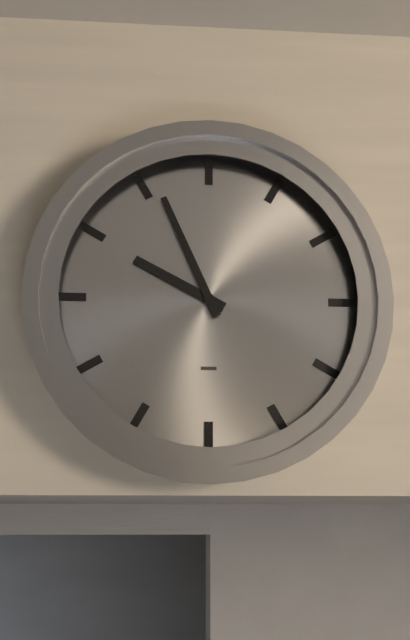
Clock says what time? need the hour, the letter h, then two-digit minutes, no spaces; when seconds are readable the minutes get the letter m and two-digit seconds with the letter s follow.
9h56
